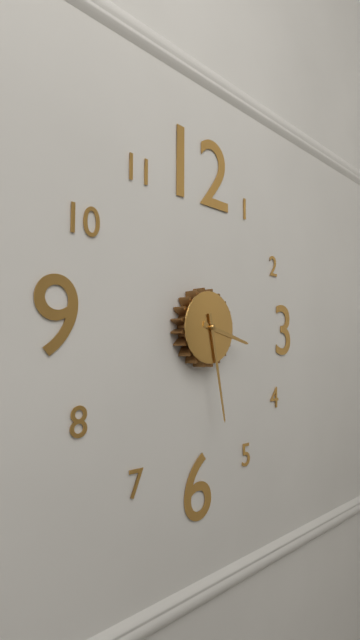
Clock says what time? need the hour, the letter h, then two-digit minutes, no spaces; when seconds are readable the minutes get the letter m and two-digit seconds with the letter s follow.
3h28
